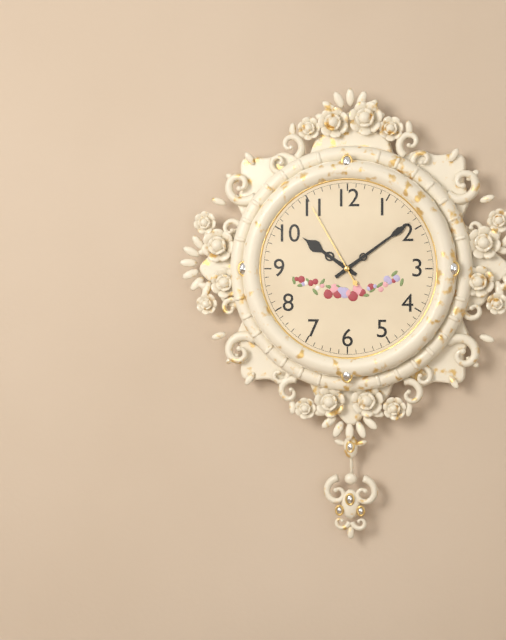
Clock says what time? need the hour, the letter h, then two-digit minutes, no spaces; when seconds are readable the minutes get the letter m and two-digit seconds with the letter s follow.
10h09m55s
